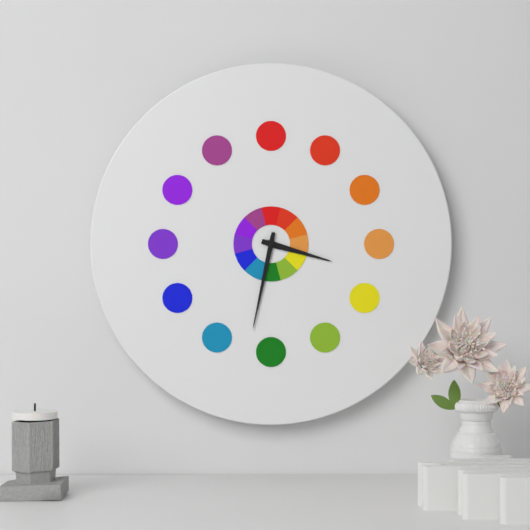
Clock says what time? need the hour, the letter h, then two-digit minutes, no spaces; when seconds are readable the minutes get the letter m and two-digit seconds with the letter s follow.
3h32
